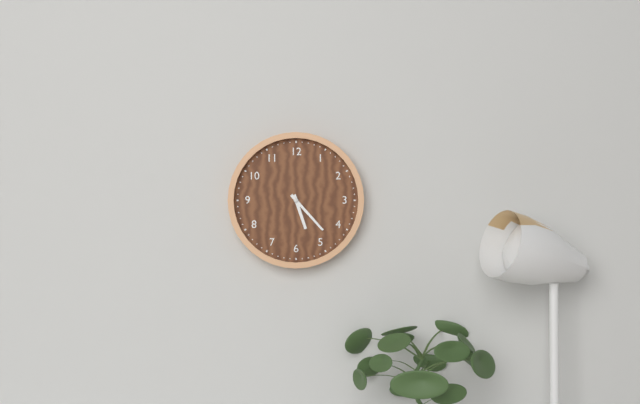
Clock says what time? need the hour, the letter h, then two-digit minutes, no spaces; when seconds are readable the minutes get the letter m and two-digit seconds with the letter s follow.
5h23
